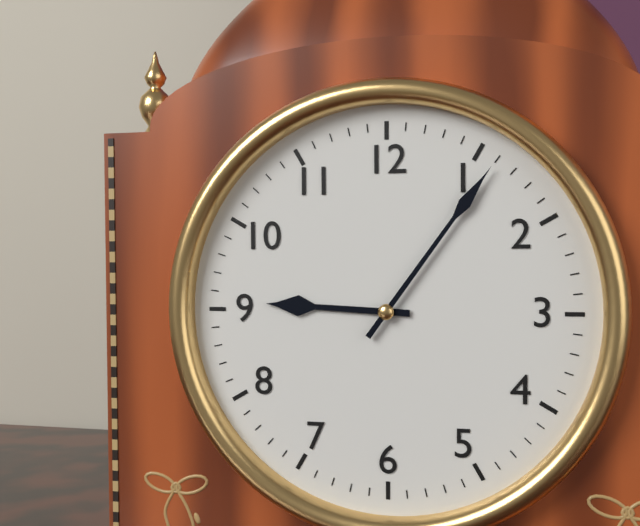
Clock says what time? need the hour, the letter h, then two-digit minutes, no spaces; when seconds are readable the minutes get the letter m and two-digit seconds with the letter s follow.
9h06
